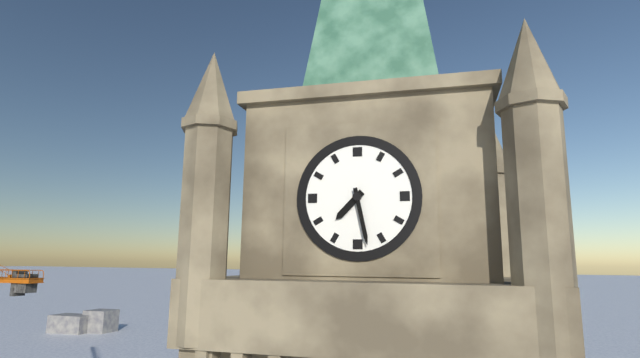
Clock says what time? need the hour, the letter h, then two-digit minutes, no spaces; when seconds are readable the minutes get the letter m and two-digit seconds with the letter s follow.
7h28
